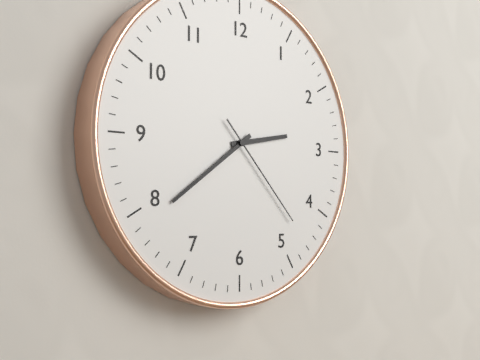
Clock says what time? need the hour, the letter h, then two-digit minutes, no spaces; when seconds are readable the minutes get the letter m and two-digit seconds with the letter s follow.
2h39m23s
